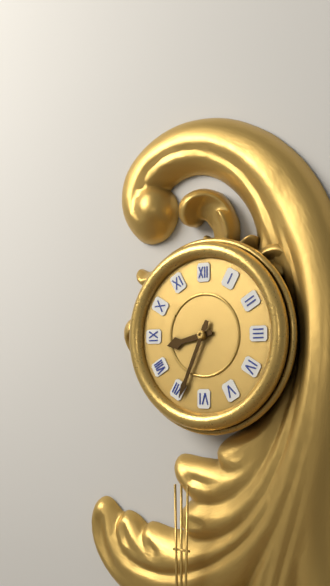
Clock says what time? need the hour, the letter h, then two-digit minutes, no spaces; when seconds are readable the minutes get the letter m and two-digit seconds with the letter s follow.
8h34
